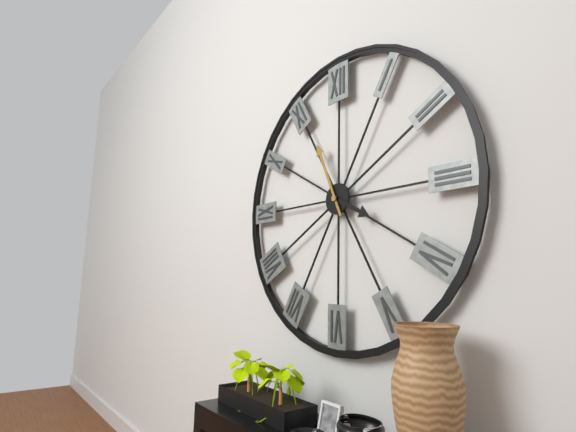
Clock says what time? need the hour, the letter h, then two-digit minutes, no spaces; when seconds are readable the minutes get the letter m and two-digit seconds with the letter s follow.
3h56
